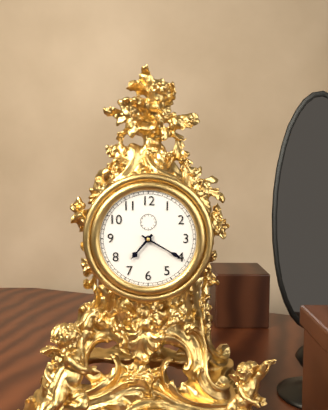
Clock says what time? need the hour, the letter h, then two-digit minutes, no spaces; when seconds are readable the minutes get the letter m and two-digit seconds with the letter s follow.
7h20
